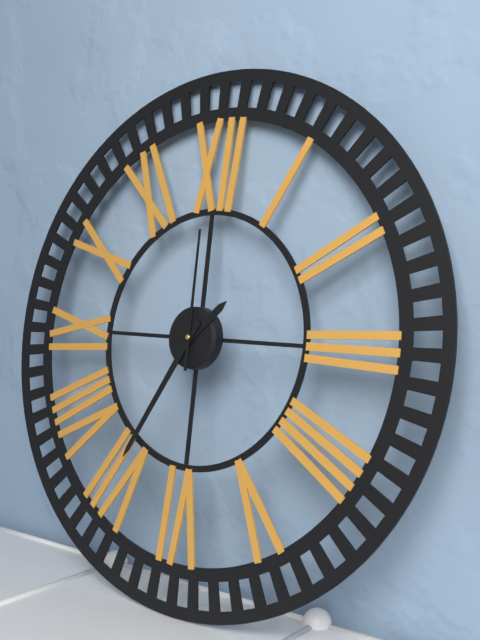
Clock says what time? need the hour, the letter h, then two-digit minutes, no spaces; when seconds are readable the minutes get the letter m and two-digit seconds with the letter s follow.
1h35m00s
